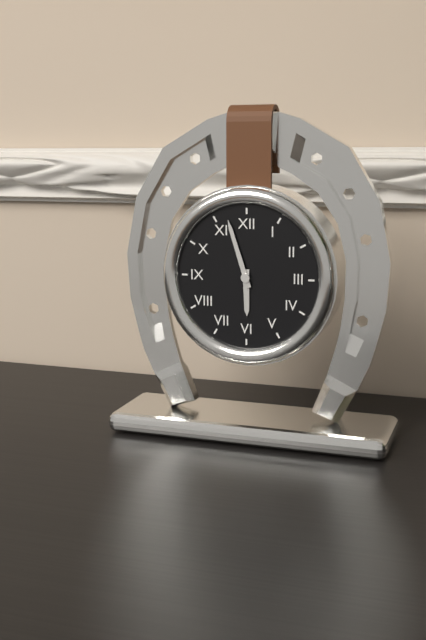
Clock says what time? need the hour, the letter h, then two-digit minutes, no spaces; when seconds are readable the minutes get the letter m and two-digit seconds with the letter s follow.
5h57
